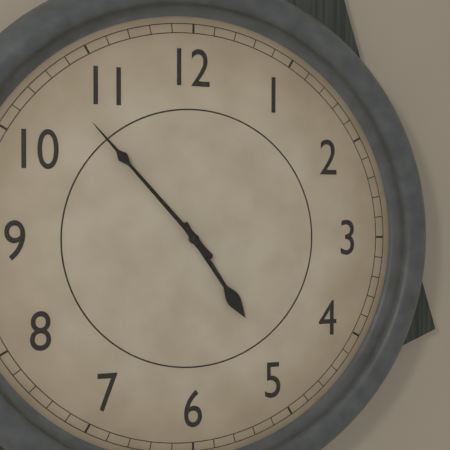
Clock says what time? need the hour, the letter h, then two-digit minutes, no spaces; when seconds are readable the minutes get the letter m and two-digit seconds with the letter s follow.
4h53
